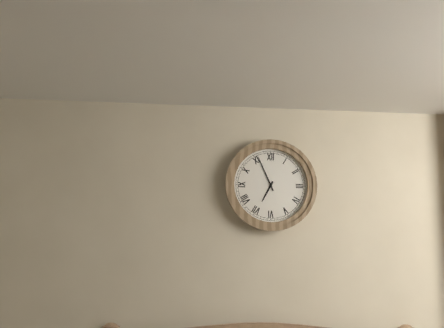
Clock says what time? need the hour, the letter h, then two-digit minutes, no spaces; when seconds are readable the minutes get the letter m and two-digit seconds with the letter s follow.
6h56
